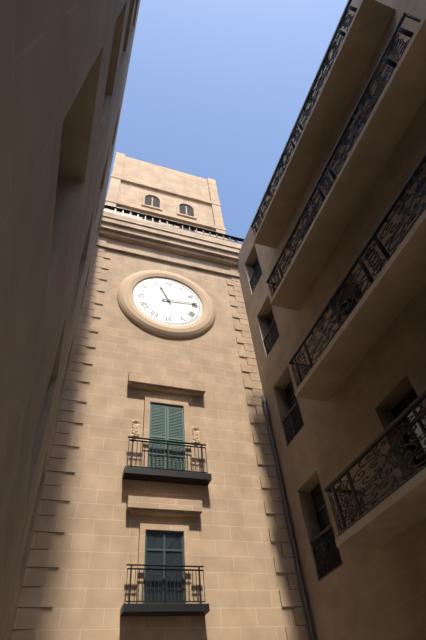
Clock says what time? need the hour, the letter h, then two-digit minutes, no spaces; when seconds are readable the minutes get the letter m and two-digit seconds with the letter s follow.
11h14
